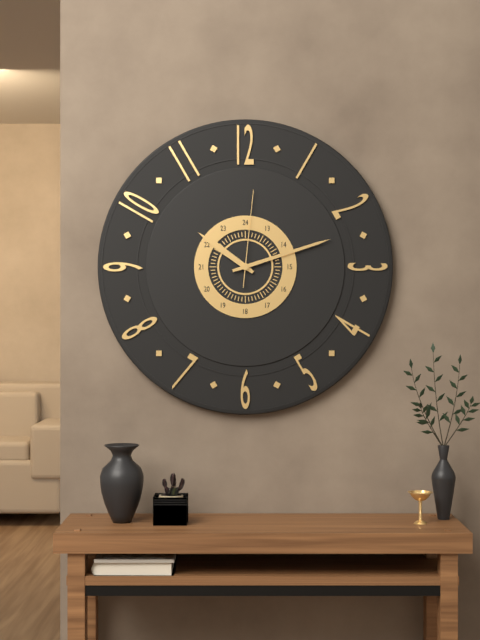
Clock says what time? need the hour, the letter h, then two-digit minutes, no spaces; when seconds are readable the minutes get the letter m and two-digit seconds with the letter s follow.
10h12m01s
